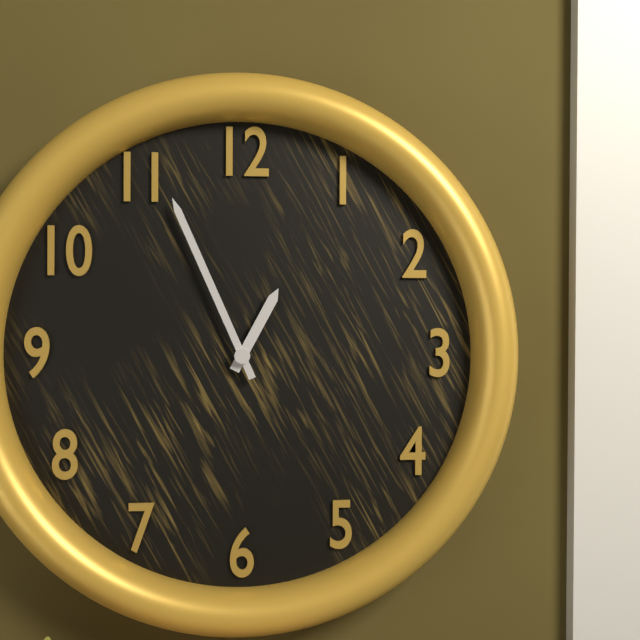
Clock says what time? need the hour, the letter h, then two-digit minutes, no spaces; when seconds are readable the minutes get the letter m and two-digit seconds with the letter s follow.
12h56
